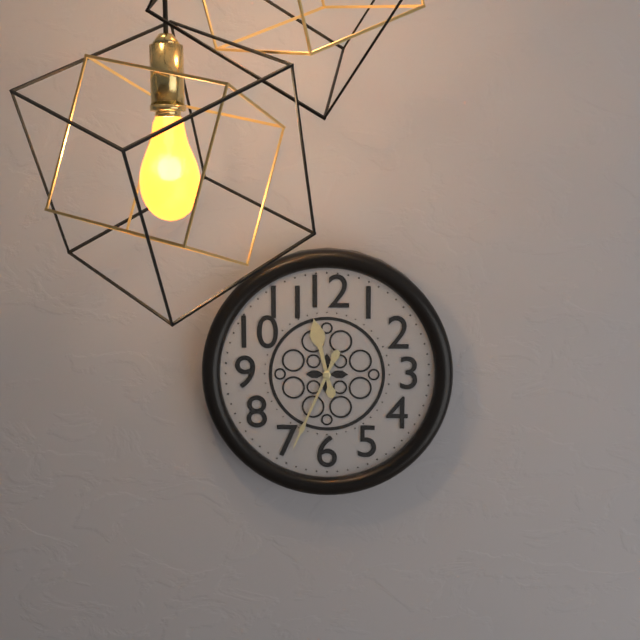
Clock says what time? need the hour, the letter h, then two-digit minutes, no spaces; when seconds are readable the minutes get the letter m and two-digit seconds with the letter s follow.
11h34
